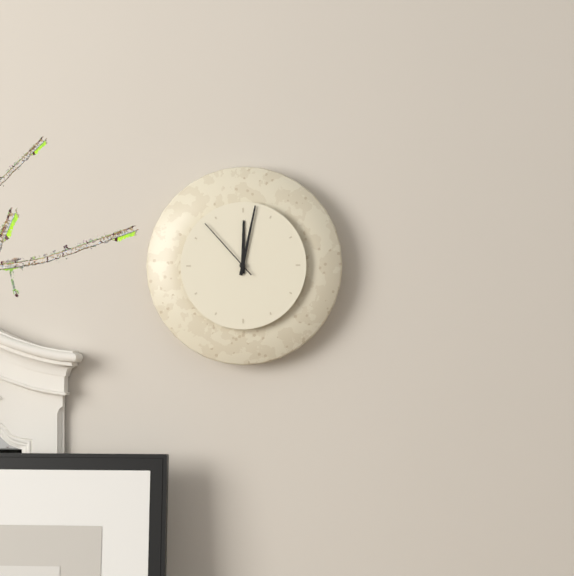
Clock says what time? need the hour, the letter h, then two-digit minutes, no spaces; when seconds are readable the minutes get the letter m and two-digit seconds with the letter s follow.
12h02m53s
